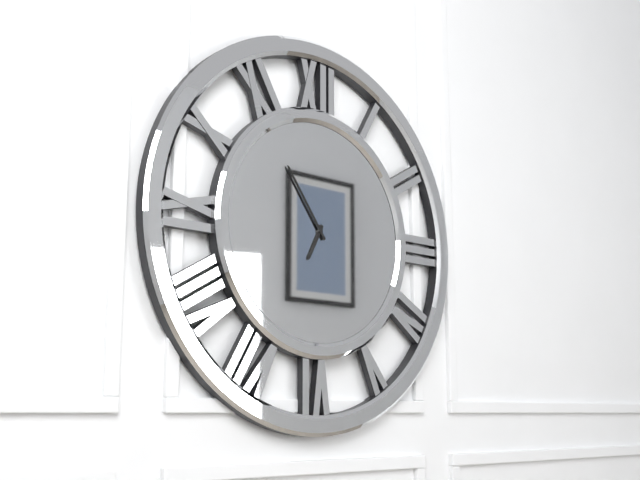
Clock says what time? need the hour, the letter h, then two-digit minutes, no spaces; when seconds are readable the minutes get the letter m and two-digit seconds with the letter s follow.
6h54
